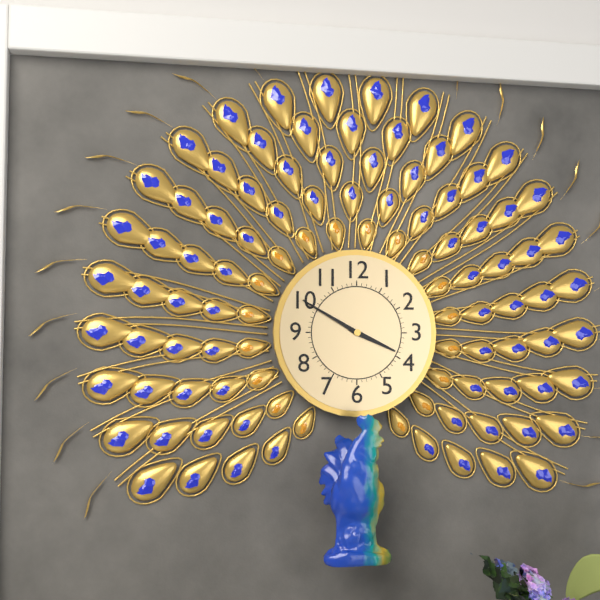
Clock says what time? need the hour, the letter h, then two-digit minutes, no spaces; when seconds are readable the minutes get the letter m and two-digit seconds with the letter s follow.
3h50
